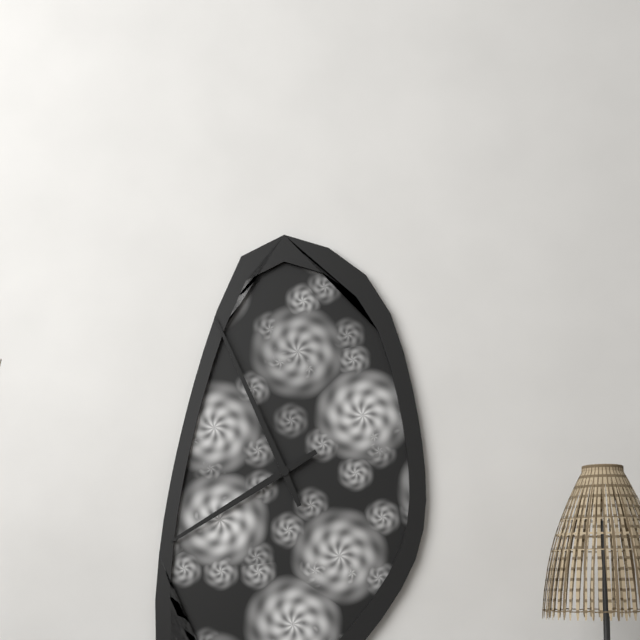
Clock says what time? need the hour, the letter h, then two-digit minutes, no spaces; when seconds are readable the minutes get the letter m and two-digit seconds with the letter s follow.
7h56
